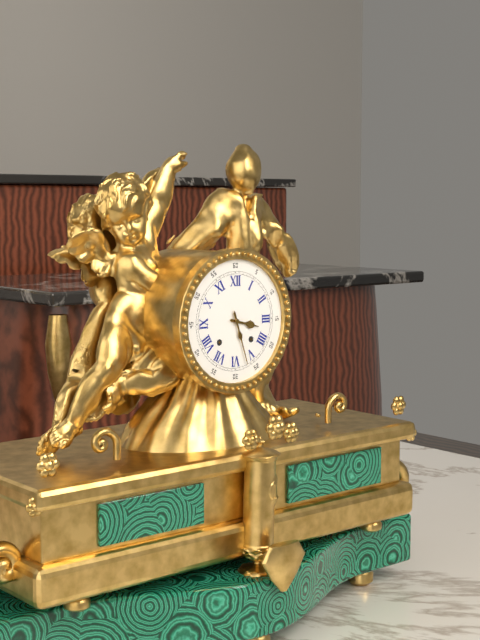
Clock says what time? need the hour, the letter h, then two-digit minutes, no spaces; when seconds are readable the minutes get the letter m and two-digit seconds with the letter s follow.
3h27
